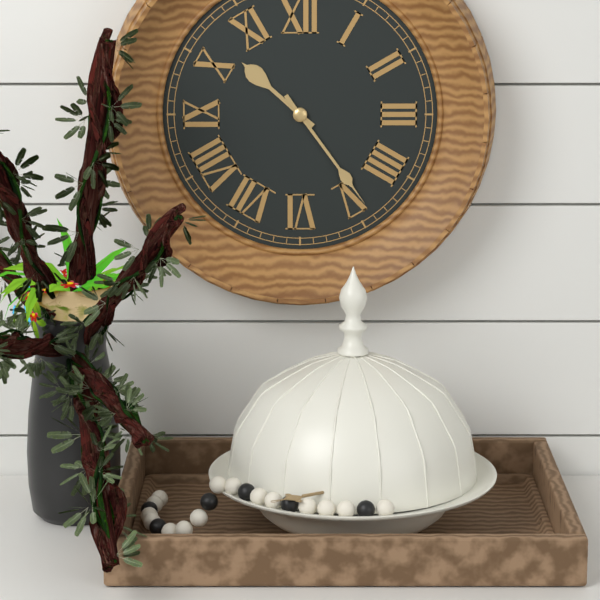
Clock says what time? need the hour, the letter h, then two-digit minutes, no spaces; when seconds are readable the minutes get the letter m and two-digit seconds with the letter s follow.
10h24
